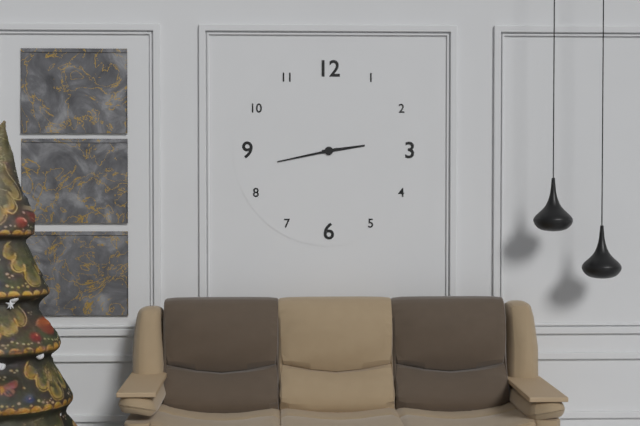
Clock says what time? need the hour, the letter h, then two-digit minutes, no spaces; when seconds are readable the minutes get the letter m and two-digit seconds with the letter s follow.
2h43
